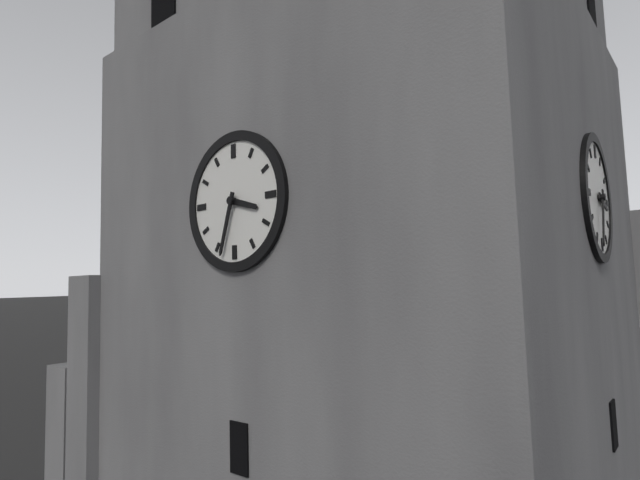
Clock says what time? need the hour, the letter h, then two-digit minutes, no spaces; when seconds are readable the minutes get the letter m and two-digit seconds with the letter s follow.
3h33
